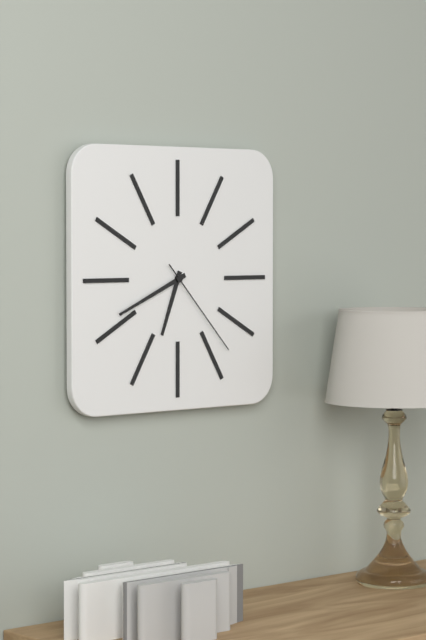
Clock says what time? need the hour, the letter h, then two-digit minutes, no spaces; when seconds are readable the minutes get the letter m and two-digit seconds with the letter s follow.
6h41m23s
